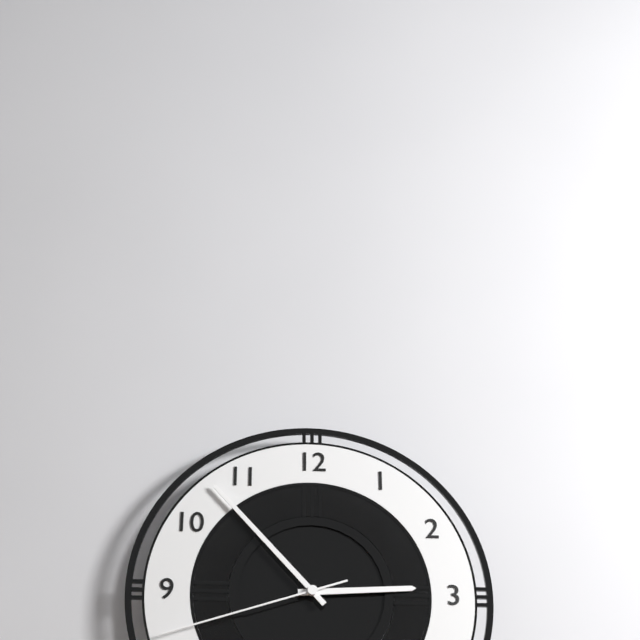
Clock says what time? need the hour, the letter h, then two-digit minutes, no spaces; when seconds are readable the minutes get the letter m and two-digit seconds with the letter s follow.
2h53m42s
